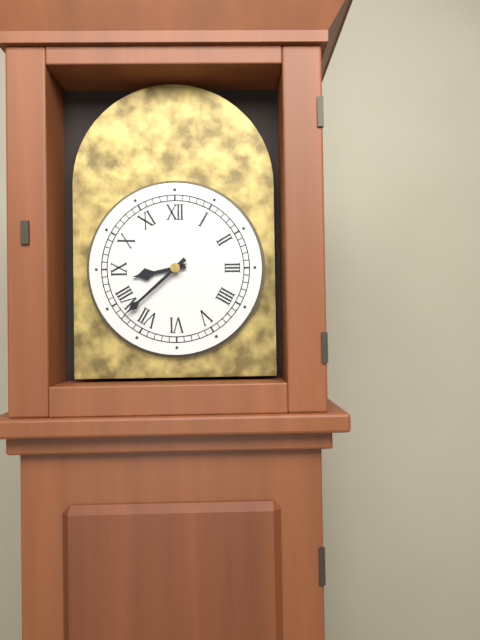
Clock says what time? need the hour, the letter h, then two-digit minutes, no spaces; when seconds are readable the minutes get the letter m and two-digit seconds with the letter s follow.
8h38
